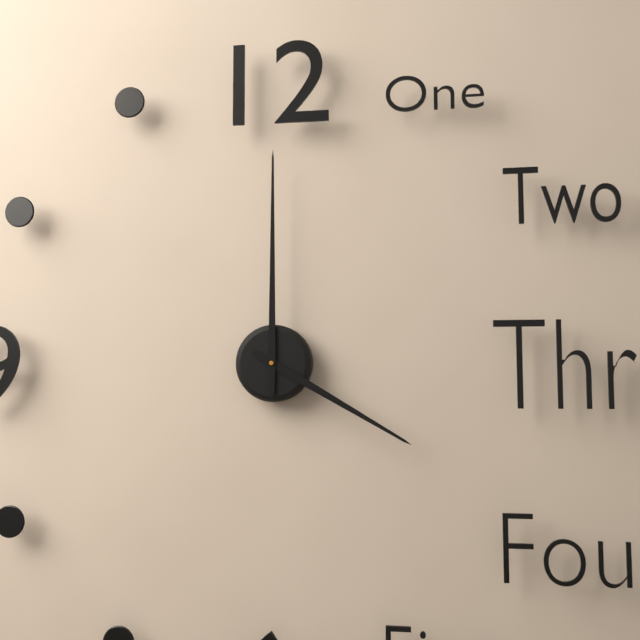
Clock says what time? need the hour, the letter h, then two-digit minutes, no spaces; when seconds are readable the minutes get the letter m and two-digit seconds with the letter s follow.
4h00
